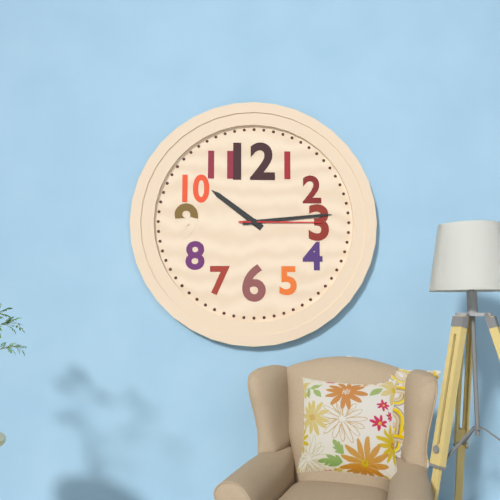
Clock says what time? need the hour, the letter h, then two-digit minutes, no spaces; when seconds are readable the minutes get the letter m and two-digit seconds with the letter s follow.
10h14m15s
